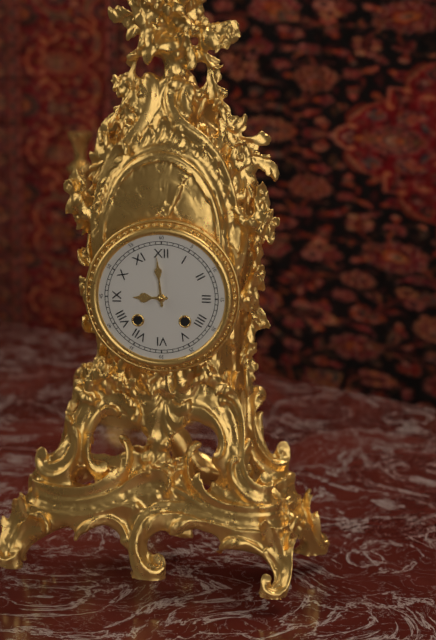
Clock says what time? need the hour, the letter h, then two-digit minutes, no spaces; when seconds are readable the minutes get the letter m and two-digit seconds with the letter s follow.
8h59
